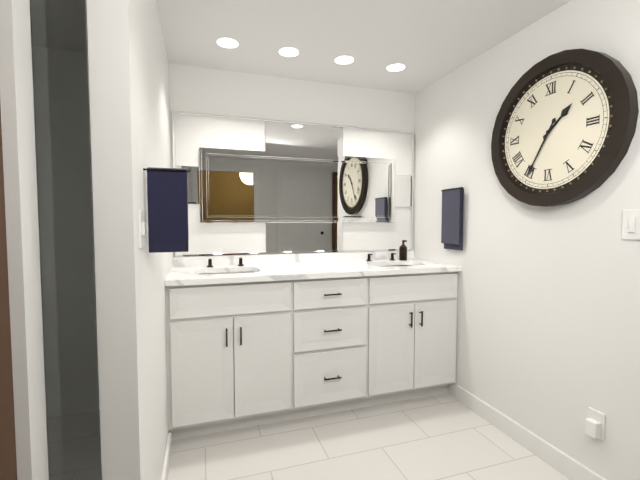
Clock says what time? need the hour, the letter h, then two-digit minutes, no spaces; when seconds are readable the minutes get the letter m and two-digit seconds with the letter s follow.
1h35
